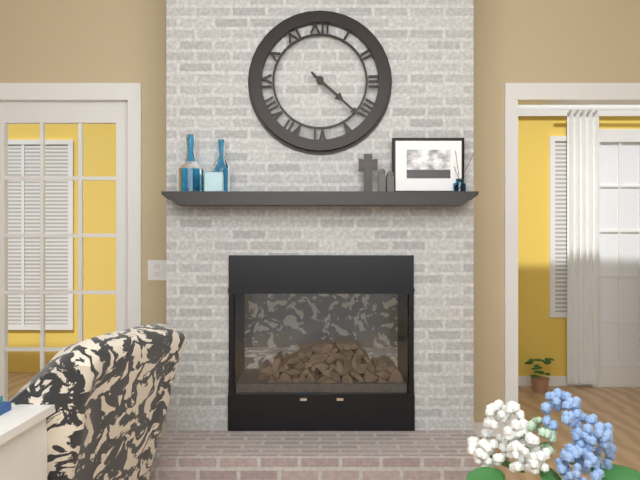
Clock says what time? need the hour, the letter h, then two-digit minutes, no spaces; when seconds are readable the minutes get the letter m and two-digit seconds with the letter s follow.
4h22
